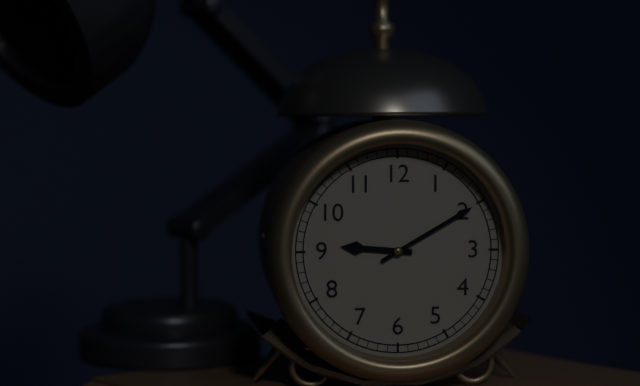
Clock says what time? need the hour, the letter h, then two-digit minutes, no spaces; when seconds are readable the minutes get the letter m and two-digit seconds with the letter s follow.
9h10
